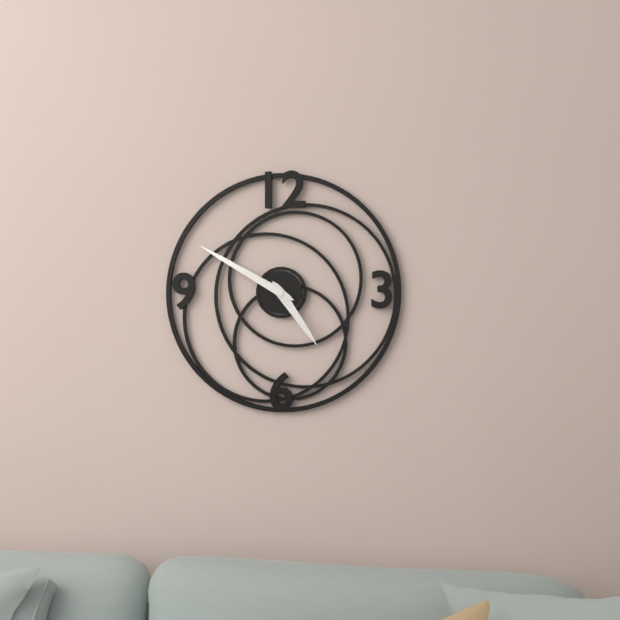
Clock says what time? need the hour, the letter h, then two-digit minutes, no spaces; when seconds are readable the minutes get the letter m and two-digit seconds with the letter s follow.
4h50
